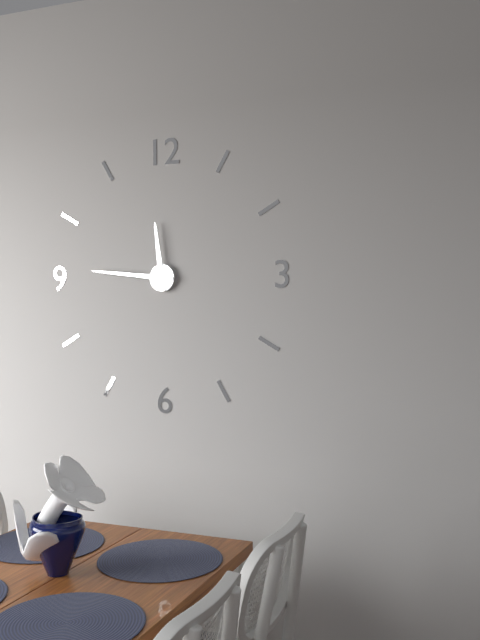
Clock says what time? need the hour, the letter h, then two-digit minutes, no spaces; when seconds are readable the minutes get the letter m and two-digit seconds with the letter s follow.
11h46
